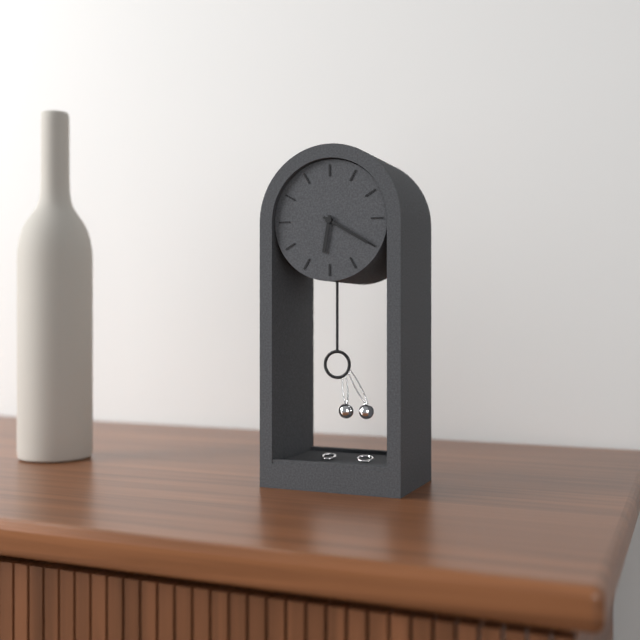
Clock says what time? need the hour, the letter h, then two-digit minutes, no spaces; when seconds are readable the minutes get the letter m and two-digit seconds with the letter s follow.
6h20
